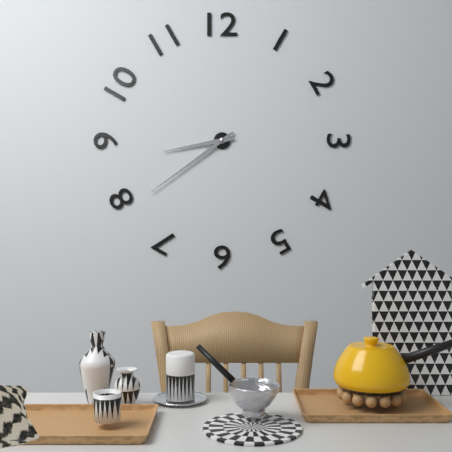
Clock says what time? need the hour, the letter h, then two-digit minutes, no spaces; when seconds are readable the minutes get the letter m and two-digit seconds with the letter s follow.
8h39
